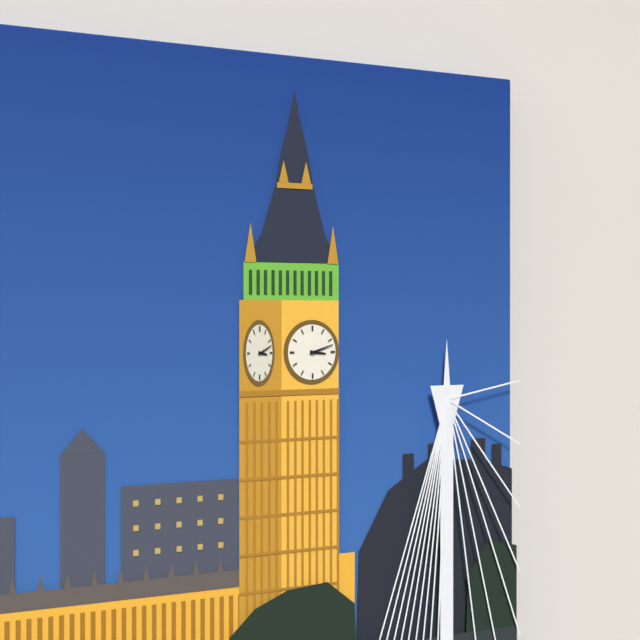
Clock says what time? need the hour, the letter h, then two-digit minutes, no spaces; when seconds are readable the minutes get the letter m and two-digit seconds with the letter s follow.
3h12
